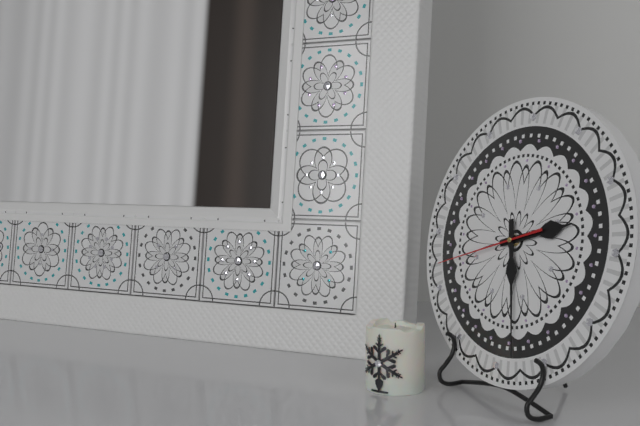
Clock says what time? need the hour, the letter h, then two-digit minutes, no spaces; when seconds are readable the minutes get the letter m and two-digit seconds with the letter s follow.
2h28m42s
